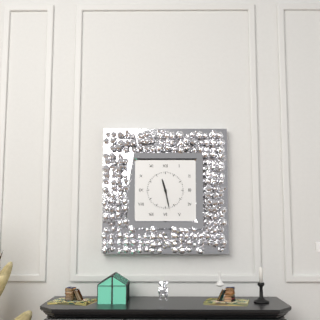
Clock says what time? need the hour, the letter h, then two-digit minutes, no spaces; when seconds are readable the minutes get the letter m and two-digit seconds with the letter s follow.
11h28
